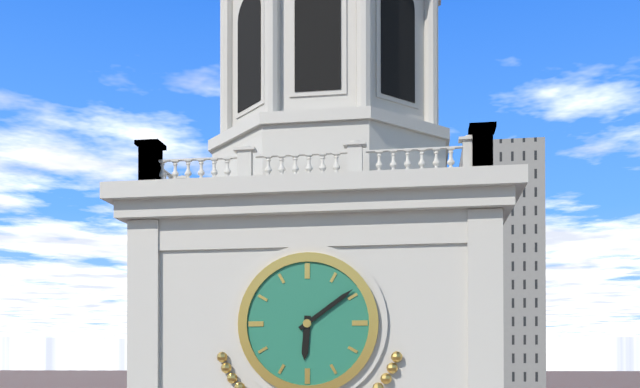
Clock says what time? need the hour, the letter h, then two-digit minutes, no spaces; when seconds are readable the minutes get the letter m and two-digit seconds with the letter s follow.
6h09
